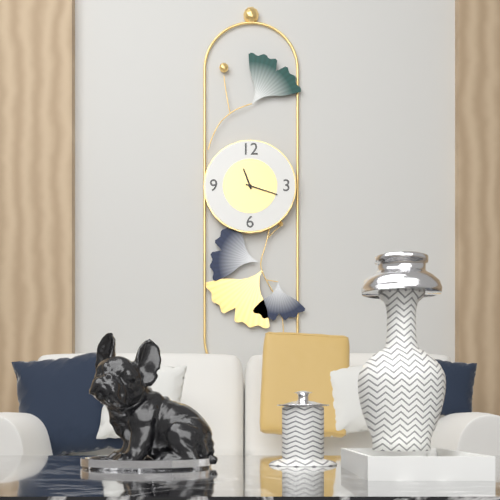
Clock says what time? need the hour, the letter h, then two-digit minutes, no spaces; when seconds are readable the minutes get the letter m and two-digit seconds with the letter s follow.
11h18
